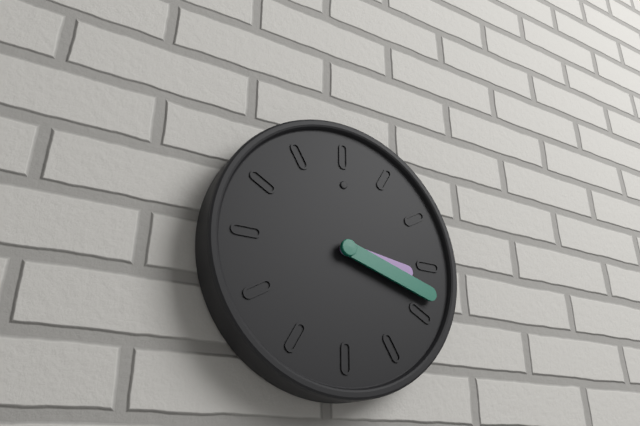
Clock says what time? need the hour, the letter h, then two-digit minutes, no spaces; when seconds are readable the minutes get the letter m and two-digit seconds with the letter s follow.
3h18
